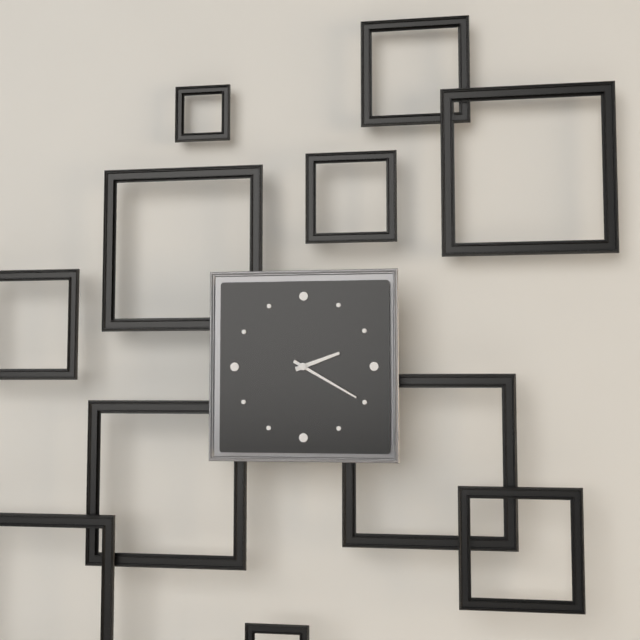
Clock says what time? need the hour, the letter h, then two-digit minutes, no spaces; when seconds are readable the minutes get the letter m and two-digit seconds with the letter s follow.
2h20
